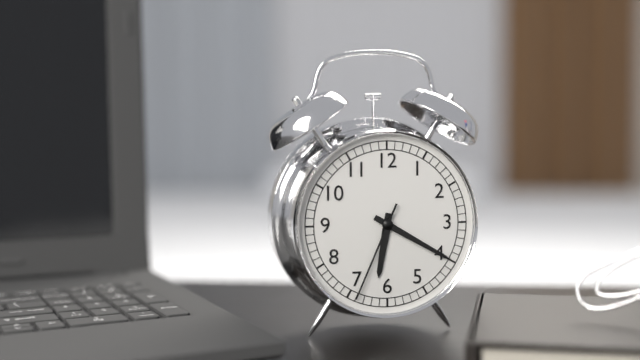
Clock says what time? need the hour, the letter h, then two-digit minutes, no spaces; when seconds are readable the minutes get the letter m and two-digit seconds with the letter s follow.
6h20m34s
